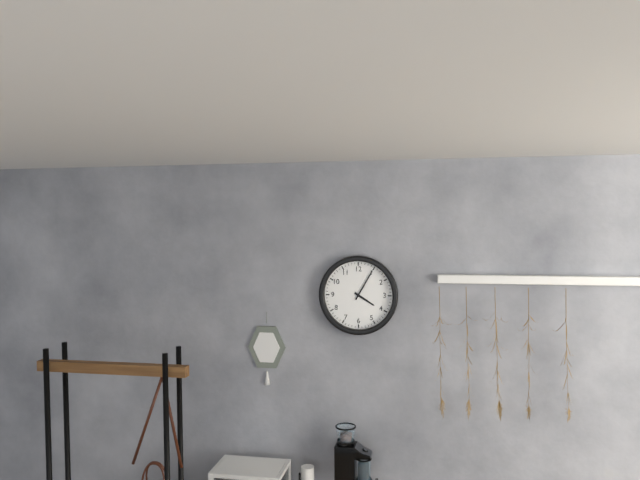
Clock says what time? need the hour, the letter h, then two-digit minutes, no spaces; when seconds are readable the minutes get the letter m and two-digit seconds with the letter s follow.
4h05
